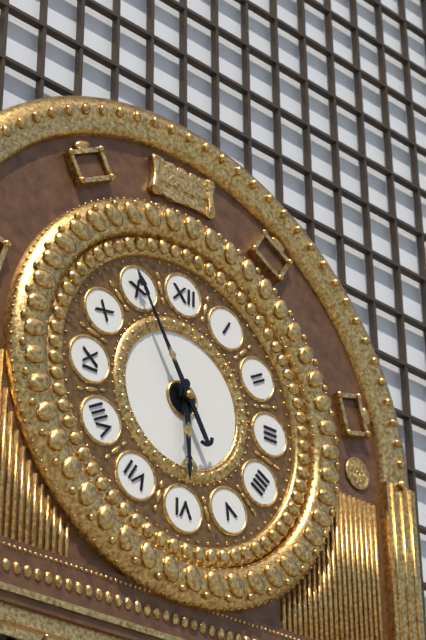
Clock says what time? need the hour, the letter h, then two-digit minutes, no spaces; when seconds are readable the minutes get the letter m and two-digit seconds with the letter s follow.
5h55
